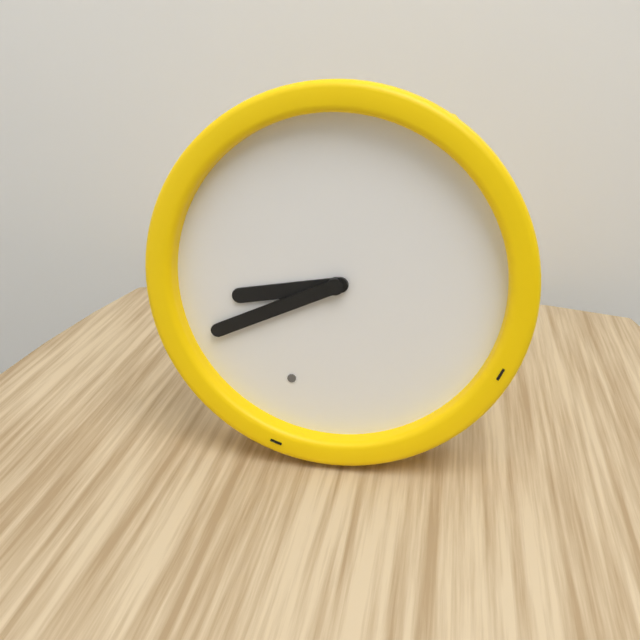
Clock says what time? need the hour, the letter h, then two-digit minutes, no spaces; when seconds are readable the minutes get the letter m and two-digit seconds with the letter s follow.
8h41
